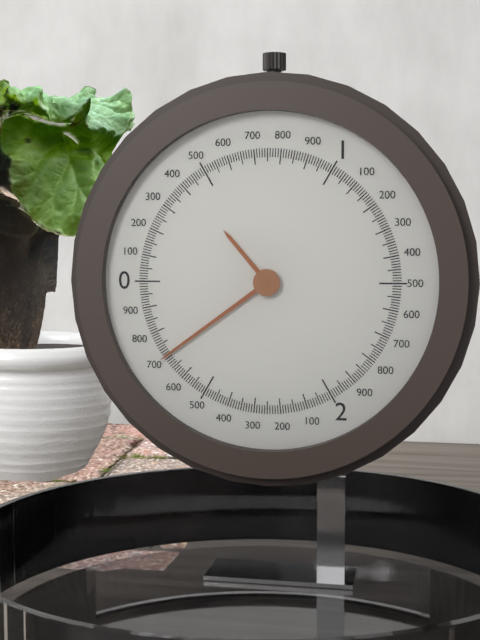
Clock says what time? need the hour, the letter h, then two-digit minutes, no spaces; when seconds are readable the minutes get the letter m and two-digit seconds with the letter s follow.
10h39
